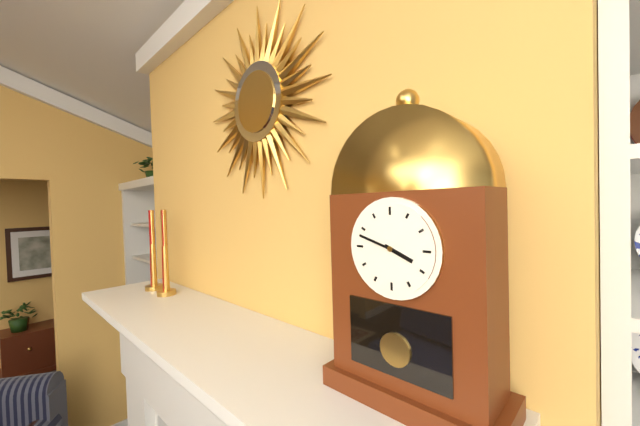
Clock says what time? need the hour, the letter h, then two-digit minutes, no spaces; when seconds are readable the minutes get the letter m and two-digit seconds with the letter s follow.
3h48
